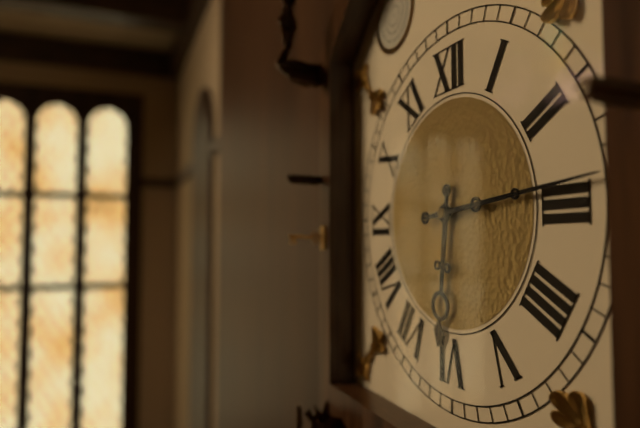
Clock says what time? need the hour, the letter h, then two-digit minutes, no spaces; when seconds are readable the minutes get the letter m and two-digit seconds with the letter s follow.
6h14
